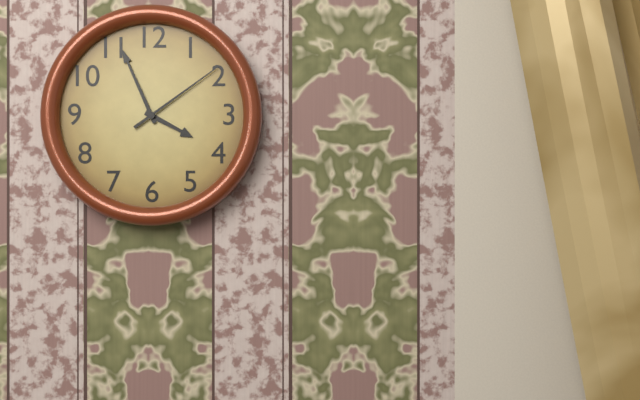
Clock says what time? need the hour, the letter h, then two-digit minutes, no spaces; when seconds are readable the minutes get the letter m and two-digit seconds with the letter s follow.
3h56m09s
